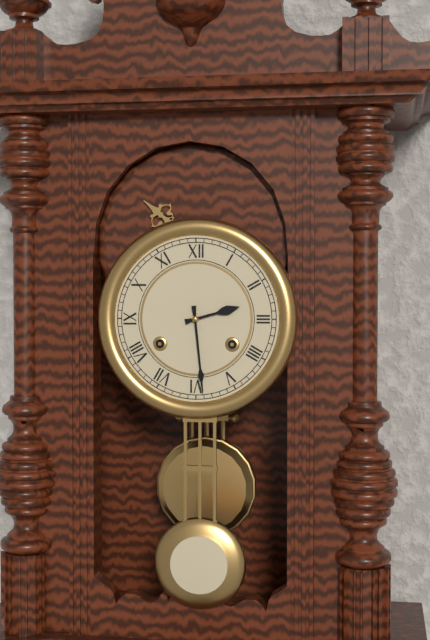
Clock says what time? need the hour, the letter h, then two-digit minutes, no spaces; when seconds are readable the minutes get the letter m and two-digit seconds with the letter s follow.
2h29
